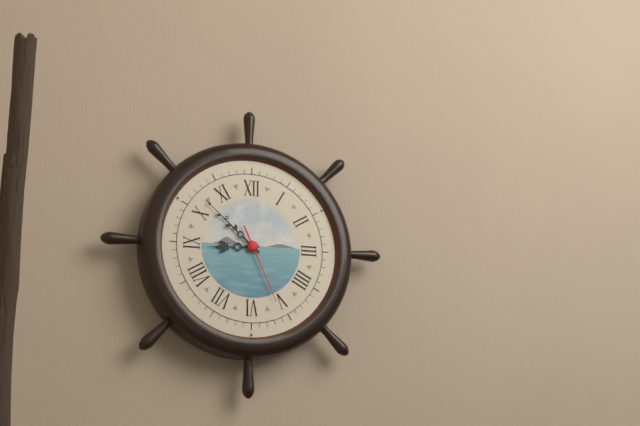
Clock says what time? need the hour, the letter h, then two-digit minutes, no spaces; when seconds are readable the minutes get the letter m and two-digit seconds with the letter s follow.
8h52m26s
